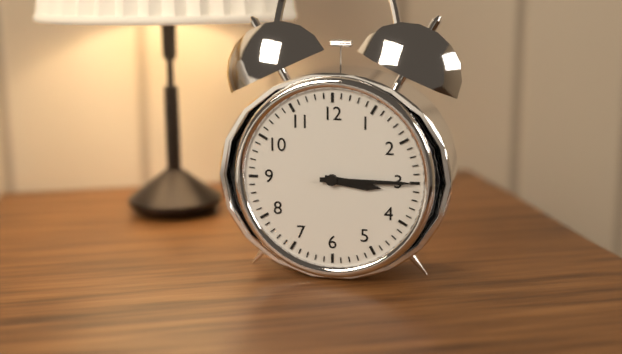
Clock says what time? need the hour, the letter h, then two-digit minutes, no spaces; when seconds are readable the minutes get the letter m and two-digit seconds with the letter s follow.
3h15
